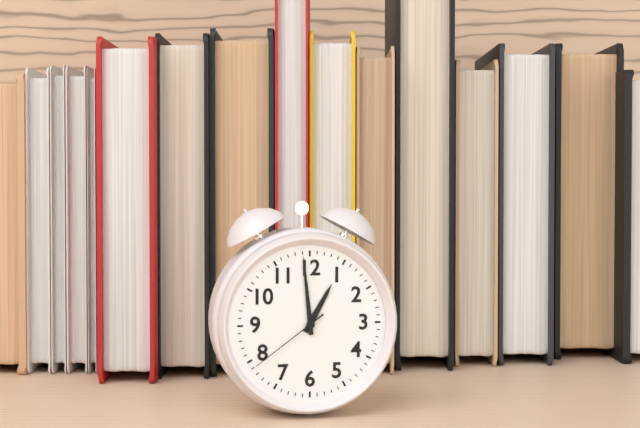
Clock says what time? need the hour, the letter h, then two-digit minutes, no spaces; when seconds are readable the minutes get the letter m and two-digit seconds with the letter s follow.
12h59m39s
